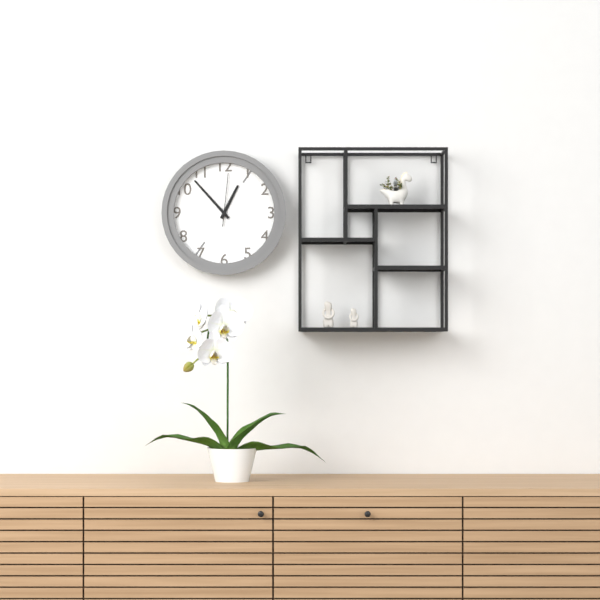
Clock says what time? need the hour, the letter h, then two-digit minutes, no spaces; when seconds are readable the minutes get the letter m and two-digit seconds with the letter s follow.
12h53m01s
